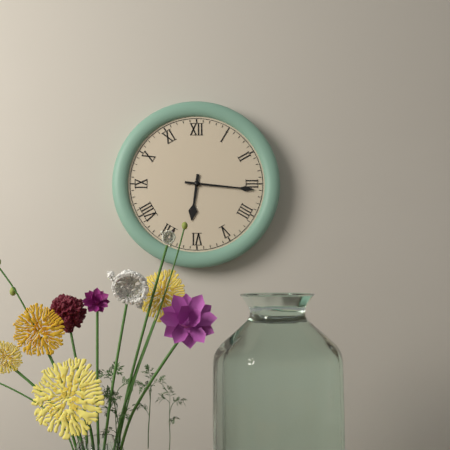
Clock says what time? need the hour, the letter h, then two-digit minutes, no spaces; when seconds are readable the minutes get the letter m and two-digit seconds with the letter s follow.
6h16
